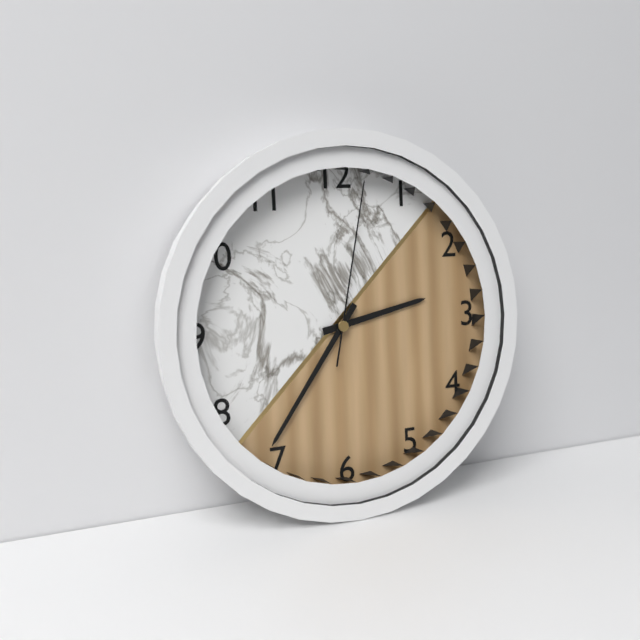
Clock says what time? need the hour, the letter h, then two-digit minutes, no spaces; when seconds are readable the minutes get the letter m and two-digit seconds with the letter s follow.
2h36m02s
